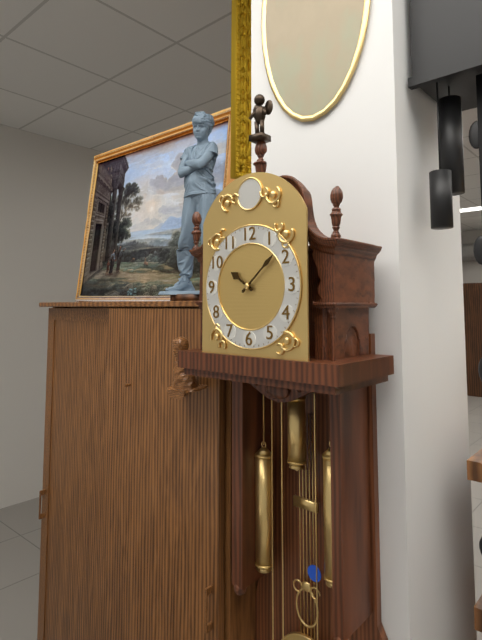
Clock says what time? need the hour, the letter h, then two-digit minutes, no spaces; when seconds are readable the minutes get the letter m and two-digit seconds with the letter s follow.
10h08
